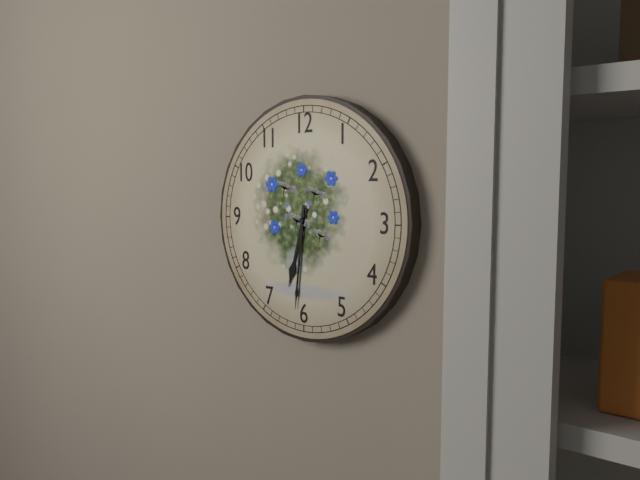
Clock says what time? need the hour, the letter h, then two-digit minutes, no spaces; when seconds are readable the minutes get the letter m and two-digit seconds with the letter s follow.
6h31
